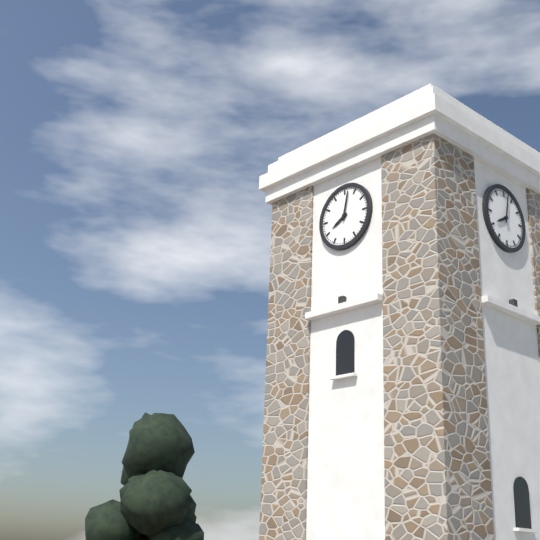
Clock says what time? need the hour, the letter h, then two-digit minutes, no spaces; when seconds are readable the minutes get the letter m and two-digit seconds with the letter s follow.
8h02
